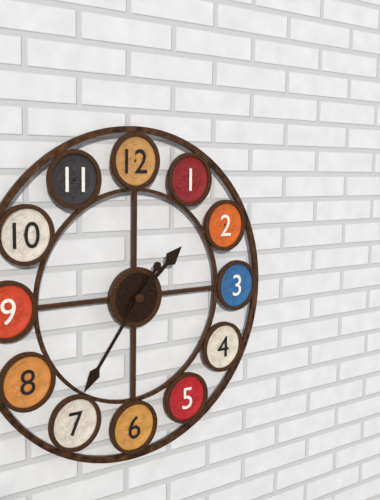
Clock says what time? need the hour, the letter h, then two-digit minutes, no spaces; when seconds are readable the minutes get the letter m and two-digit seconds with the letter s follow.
1h36
